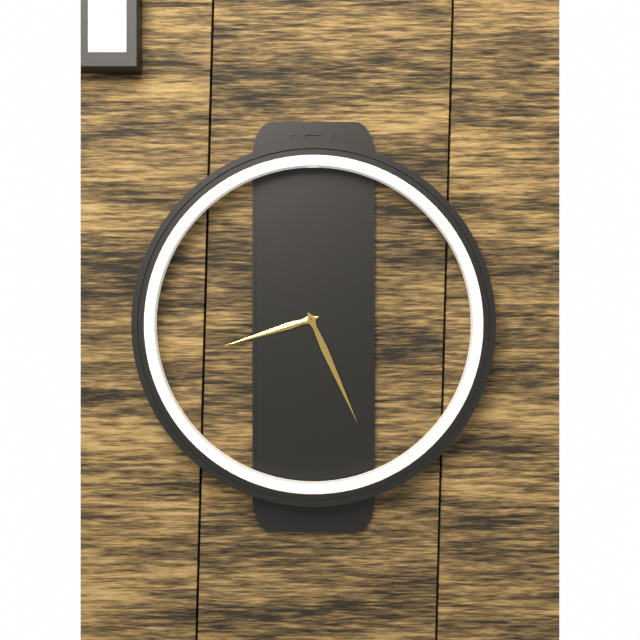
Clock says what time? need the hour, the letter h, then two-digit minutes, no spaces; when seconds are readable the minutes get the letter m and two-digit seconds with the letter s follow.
8h26
